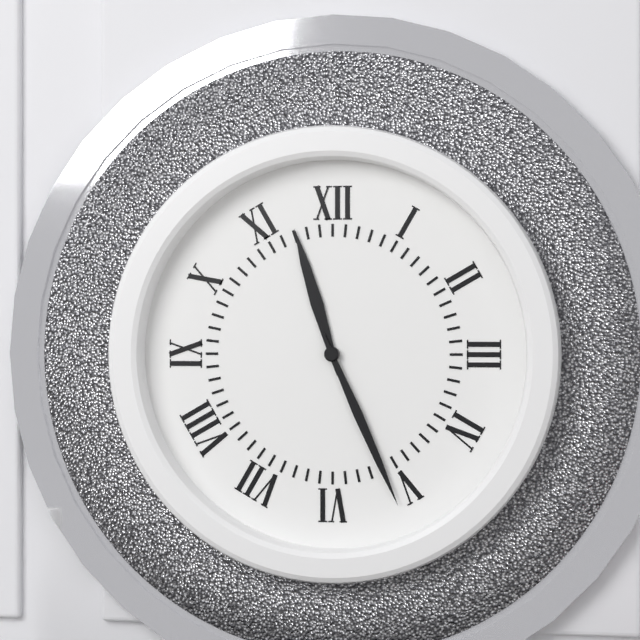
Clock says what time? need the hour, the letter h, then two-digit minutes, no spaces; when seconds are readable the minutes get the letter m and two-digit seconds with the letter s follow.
11h26
